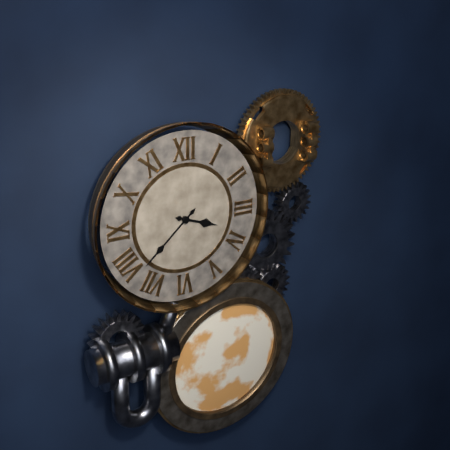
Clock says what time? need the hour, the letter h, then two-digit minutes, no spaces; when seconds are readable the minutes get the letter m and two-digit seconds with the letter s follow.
3h38
